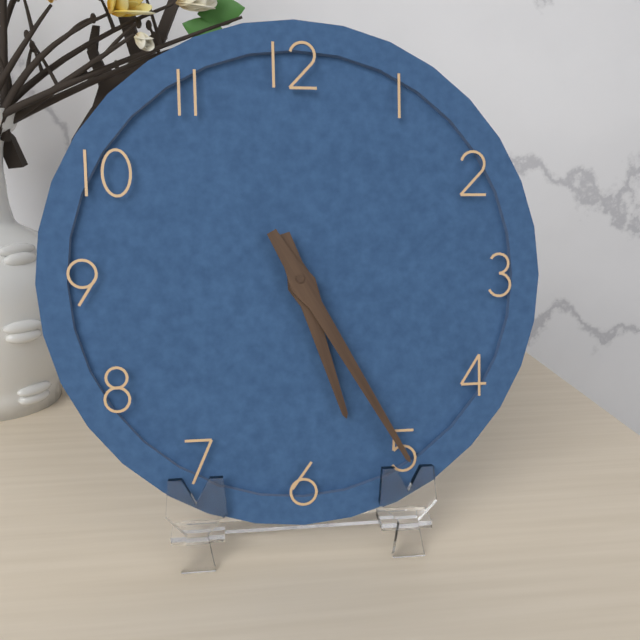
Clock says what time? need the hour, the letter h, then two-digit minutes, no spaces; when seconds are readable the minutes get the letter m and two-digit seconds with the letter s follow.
5h25
